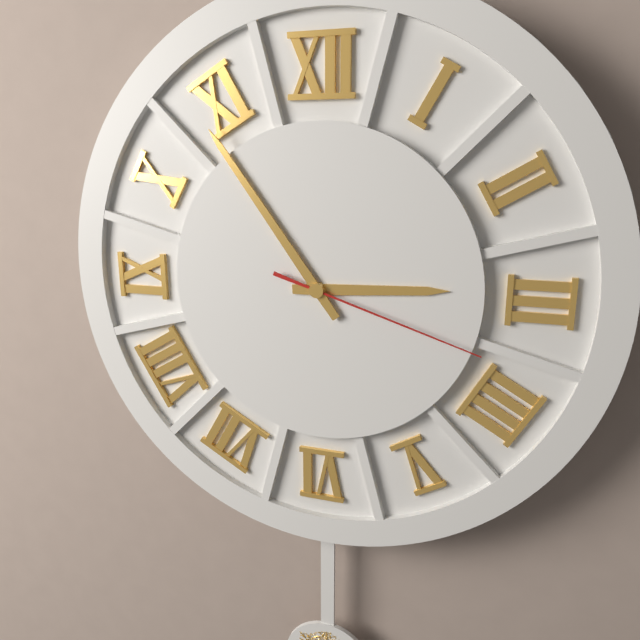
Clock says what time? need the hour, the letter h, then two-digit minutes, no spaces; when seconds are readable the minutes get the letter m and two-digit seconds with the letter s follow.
2h54m18s
